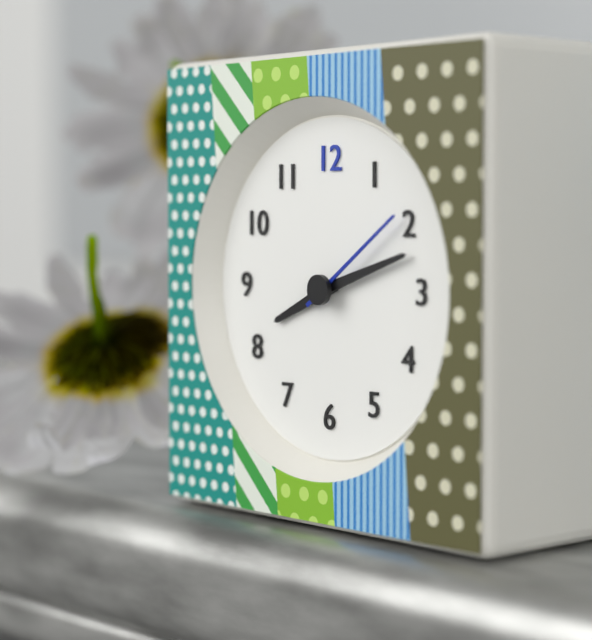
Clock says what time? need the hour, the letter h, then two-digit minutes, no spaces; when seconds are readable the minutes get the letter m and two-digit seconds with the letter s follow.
8h12m09s
